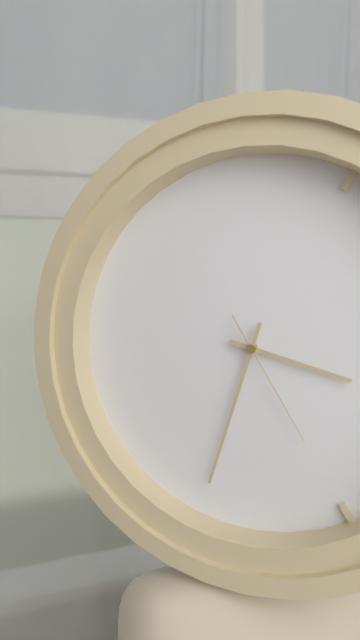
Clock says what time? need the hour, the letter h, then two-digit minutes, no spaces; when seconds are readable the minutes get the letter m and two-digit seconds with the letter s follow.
3h33m25s
